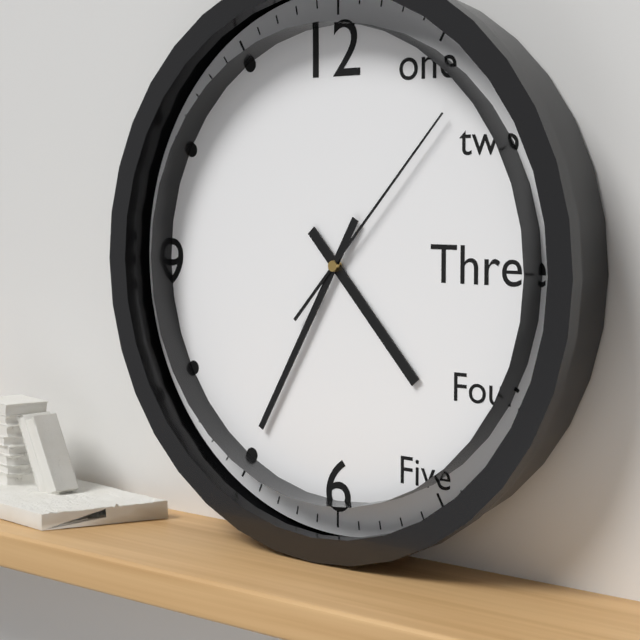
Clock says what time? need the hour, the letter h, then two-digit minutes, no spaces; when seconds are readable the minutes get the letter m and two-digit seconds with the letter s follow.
4h35m07s
